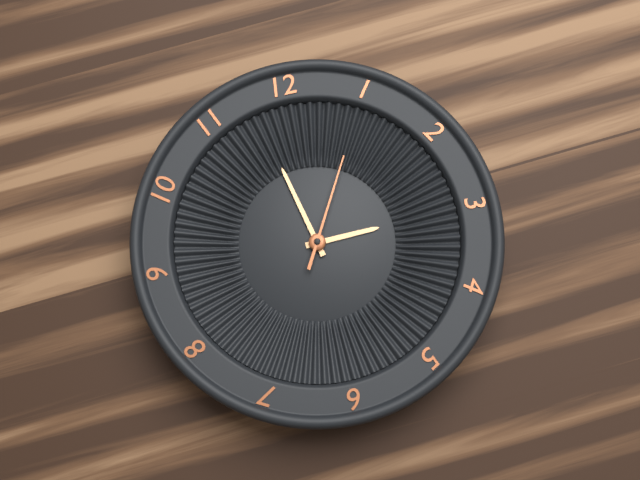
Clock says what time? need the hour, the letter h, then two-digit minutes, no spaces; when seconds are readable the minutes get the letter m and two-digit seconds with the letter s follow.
2h58m05s
